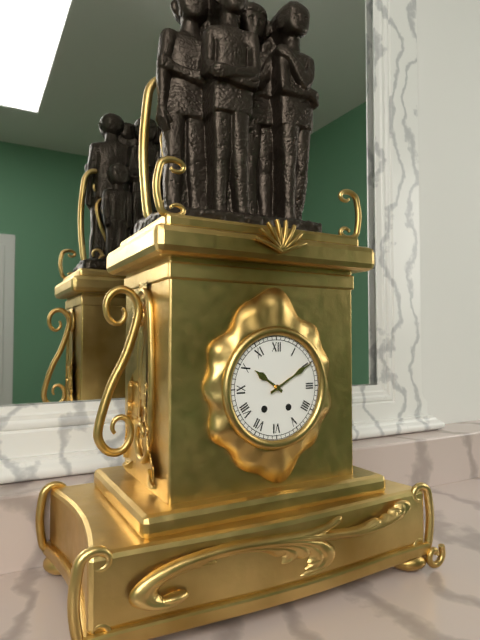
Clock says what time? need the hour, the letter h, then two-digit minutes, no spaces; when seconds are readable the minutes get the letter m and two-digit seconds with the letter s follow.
10h10
